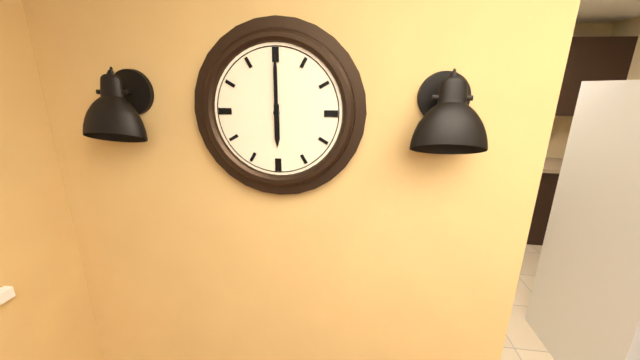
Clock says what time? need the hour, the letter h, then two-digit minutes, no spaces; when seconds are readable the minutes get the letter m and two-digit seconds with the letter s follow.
6h00
